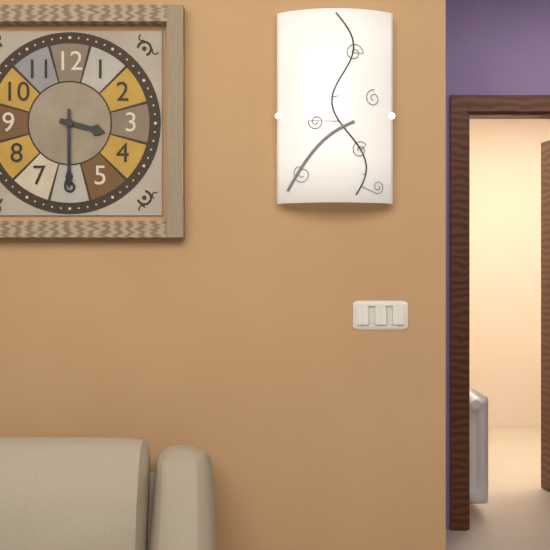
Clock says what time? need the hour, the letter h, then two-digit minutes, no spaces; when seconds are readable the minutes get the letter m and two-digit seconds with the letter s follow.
3h30
